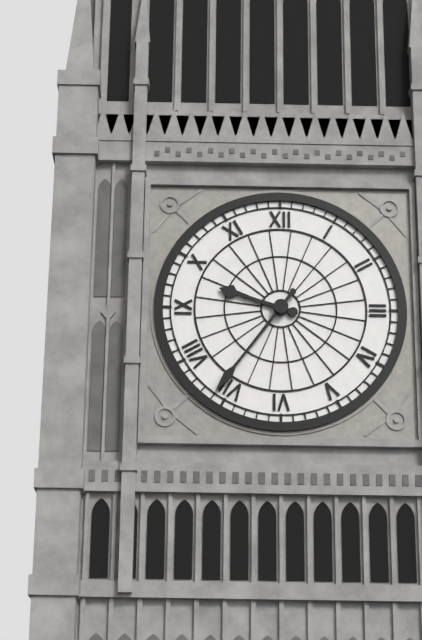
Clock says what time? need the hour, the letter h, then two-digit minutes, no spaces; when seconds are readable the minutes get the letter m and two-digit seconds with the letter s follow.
9h36
